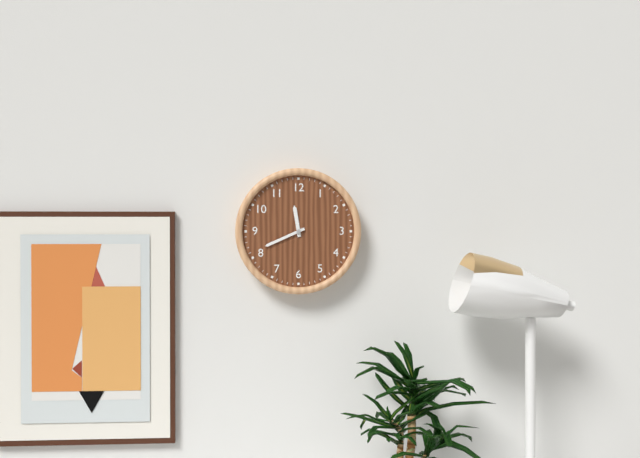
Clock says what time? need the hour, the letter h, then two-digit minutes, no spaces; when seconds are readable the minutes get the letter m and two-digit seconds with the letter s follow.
11h41
